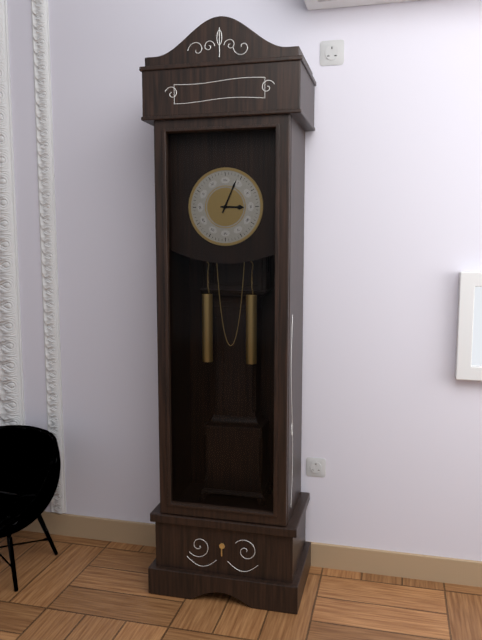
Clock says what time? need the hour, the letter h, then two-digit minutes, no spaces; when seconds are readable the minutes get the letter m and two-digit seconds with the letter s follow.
3h04
